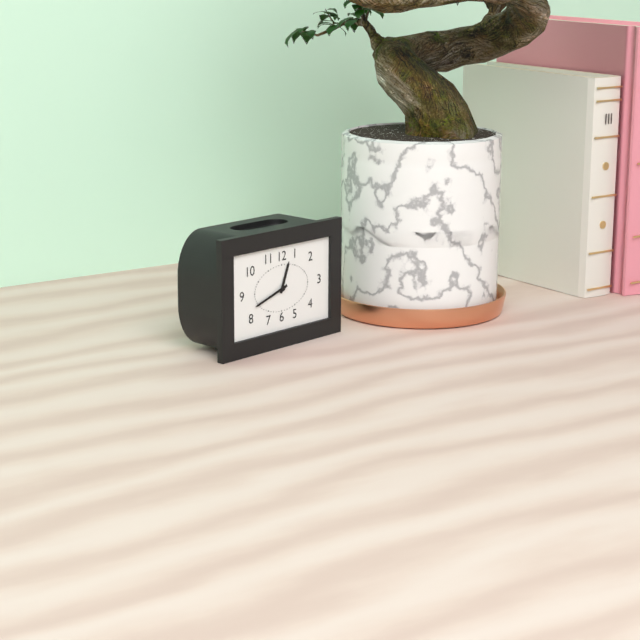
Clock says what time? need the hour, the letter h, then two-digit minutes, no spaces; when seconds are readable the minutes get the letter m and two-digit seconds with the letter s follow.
12h42
